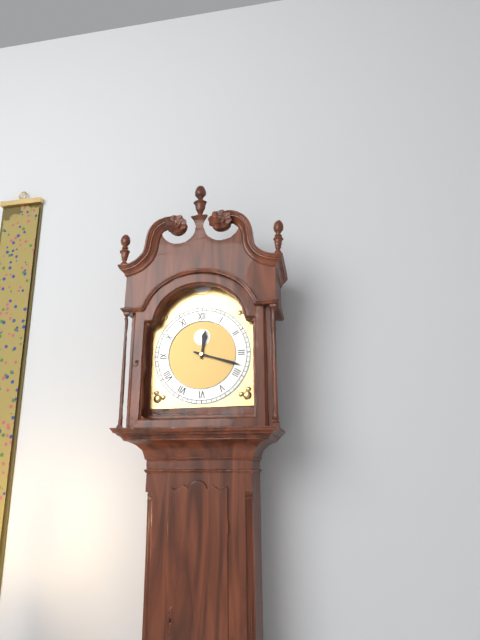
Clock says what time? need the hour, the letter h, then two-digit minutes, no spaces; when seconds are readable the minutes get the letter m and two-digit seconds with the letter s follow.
12h18
